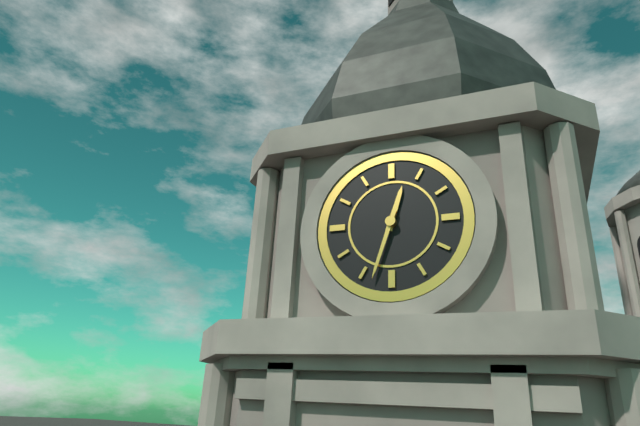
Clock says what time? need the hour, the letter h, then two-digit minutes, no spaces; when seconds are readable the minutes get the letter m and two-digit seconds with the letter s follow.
12h33
